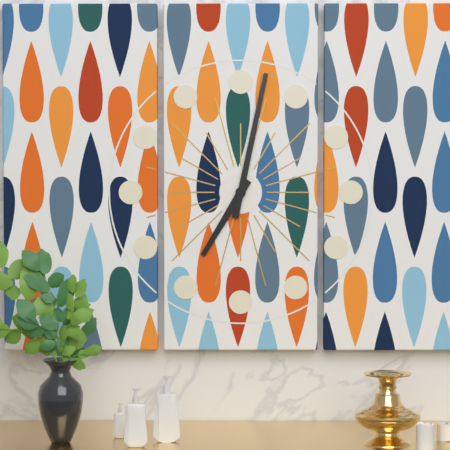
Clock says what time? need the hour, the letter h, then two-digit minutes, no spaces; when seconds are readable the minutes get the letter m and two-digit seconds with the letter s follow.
7h02
